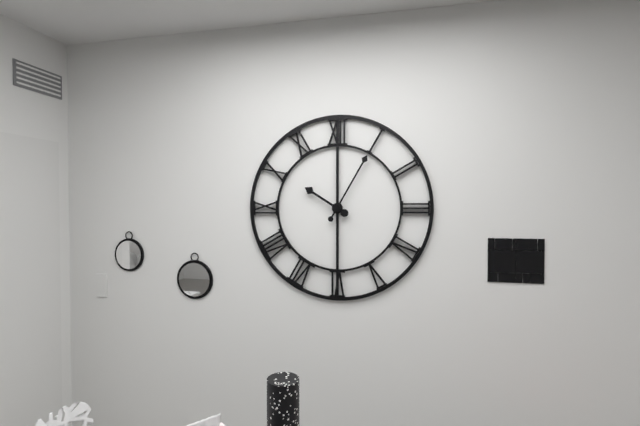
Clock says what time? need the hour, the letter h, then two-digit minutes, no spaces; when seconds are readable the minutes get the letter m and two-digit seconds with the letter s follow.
10h05
